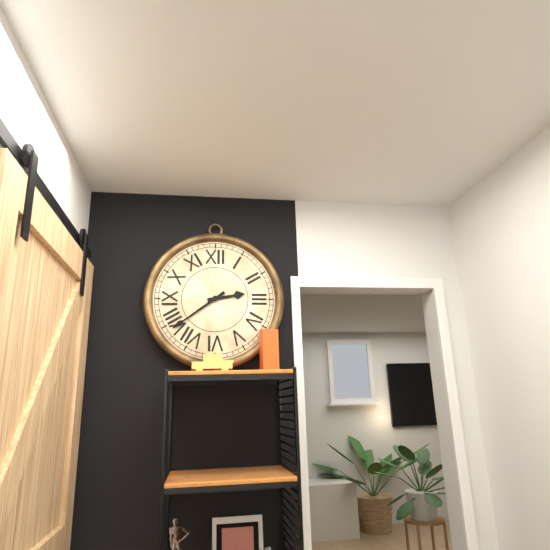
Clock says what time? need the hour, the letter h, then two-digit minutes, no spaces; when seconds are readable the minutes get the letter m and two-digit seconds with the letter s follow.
2h39
